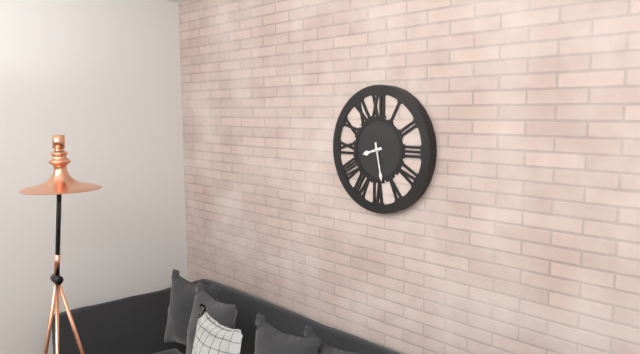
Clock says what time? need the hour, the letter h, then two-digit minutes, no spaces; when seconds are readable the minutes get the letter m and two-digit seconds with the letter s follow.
8h28
